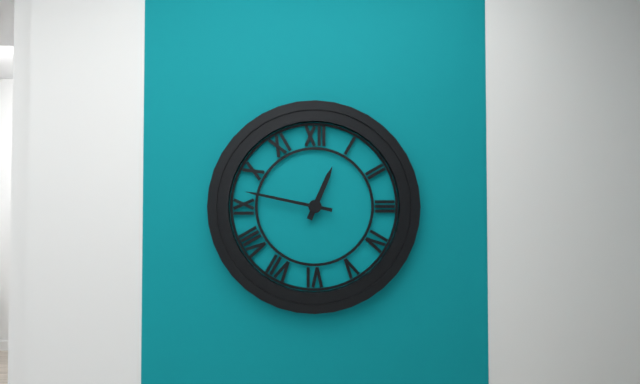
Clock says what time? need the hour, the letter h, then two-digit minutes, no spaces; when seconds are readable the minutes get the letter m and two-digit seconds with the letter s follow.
12h47
